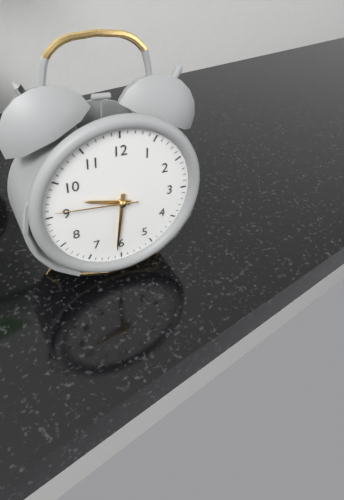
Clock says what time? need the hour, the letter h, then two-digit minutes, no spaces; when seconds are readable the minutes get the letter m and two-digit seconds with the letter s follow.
9h31m46s
